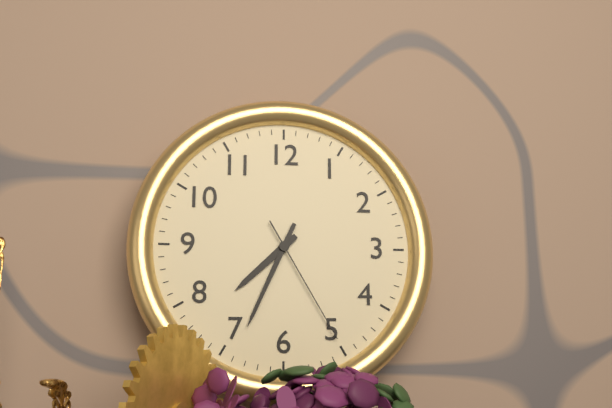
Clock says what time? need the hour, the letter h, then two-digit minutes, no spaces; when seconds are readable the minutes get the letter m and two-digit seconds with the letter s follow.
7h34m25s
